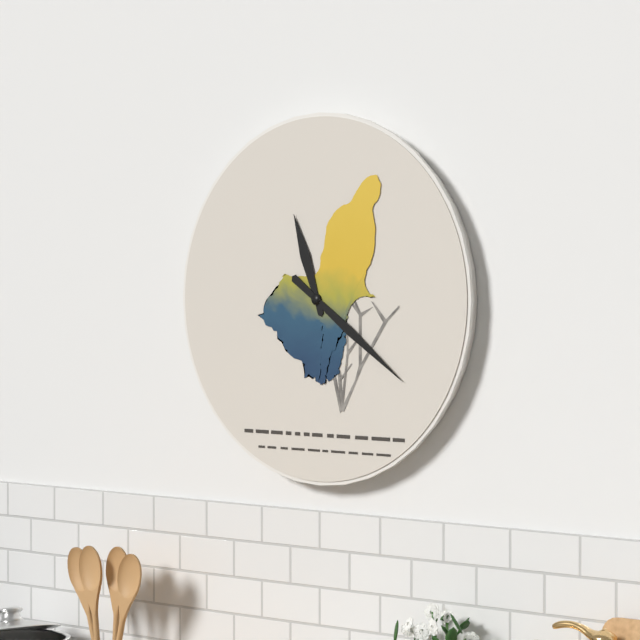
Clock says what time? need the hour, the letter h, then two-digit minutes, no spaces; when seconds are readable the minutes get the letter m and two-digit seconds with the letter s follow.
11h21
